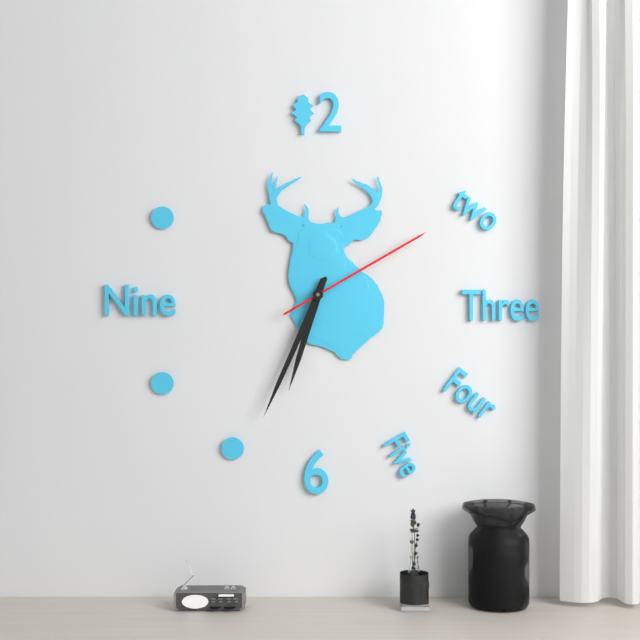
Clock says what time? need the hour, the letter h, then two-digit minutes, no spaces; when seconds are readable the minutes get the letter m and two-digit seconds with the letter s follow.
6h34m10s
